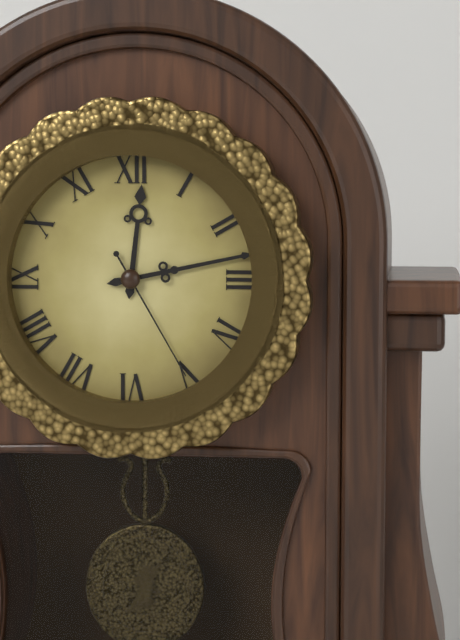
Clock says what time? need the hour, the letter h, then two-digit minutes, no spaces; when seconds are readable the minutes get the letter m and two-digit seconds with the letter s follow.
12h13m25s
